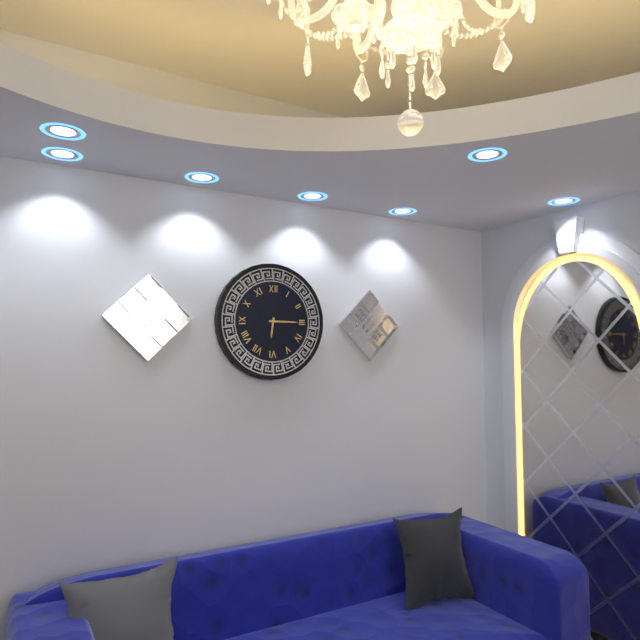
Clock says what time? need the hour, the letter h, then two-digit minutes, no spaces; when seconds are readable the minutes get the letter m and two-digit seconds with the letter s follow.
6h15
